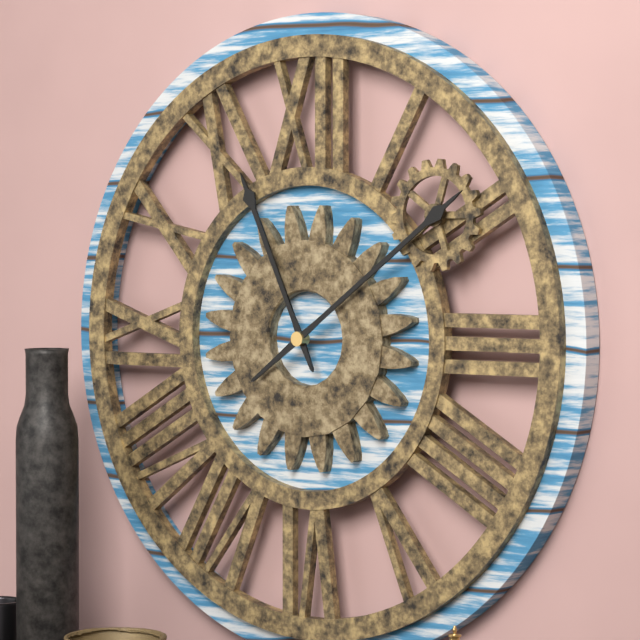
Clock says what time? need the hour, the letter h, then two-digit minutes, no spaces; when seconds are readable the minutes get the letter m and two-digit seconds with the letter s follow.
11h09
